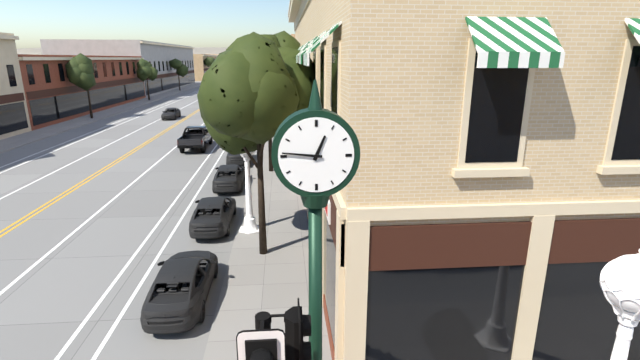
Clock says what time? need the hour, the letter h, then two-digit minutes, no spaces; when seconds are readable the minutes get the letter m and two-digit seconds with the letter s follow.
12h46
